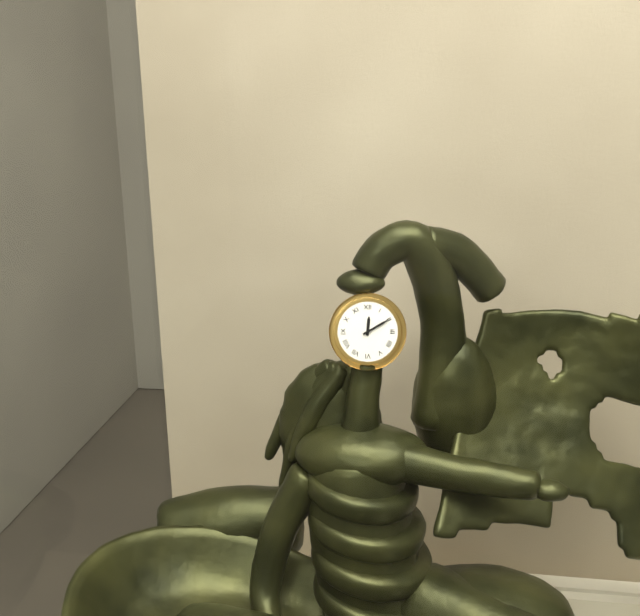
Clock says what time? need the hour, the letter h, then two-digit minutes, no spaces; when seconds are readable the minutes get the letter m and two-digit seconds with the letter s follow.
12h10
